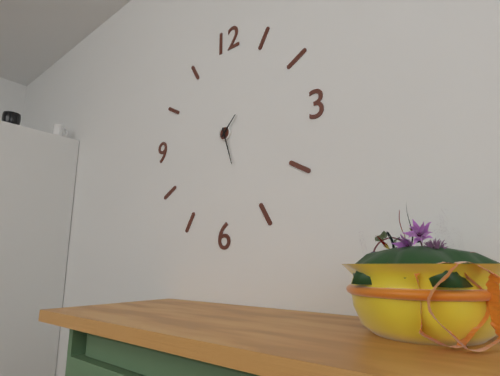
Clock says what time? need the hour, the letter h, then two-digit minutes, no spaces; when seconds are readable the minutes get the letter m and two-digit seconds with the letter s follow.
1h27
